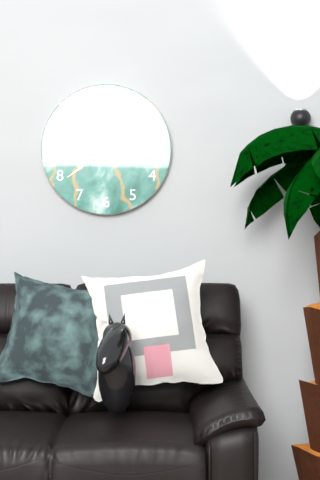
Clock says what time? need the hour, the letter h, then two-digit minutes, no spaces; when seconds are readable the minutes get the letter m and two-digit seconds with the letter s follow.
8h39
